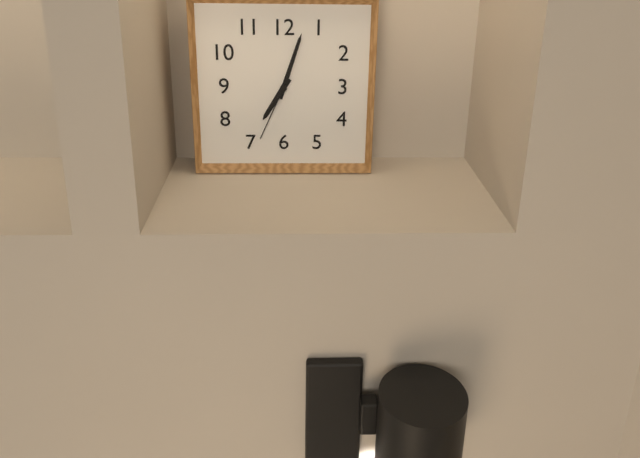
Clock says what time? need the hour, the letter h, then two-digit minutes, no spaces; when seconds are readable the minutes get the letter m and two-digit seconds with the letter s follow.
7h03m34s
